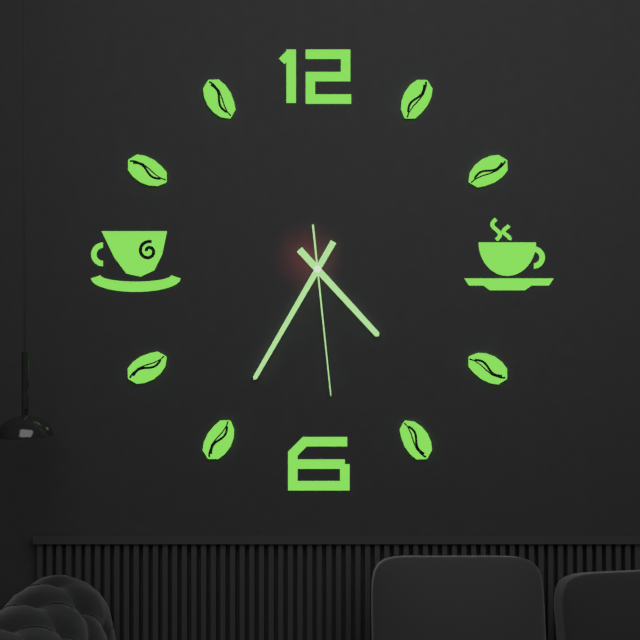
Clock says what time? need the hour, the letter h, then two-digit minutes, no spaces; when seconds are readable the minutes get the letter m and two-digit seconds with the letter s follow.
4h35m29s
